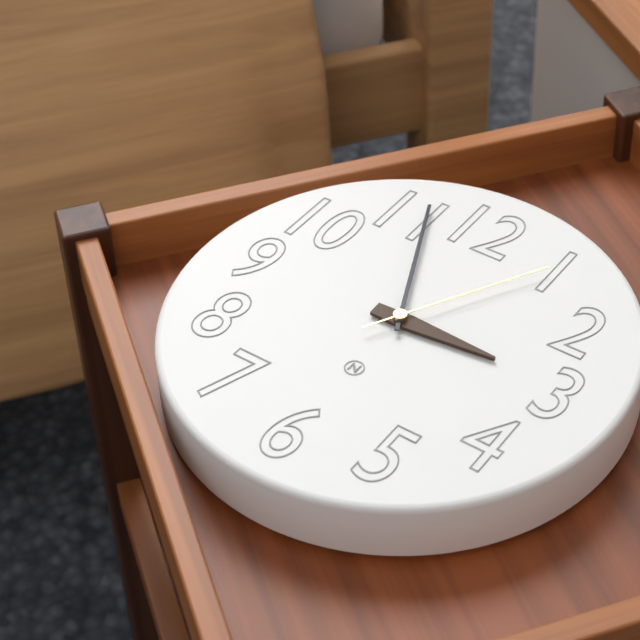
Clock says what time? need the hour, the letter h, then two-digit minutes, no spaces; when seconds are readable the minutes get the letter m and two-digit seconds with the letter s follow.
2h56m05s
